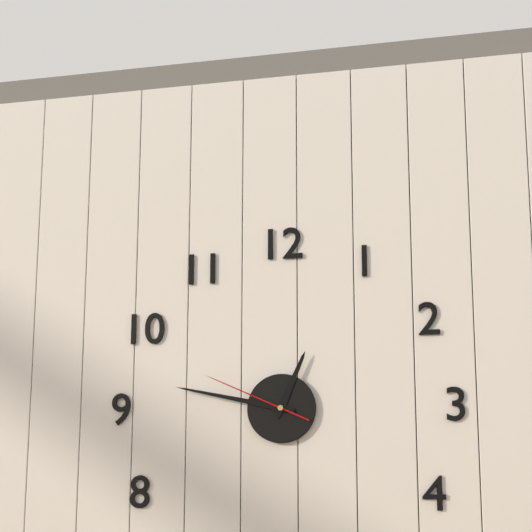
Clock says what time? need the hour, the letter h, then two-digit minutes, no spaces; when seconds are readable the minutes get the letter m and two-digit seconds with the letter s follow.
12h47m49s
